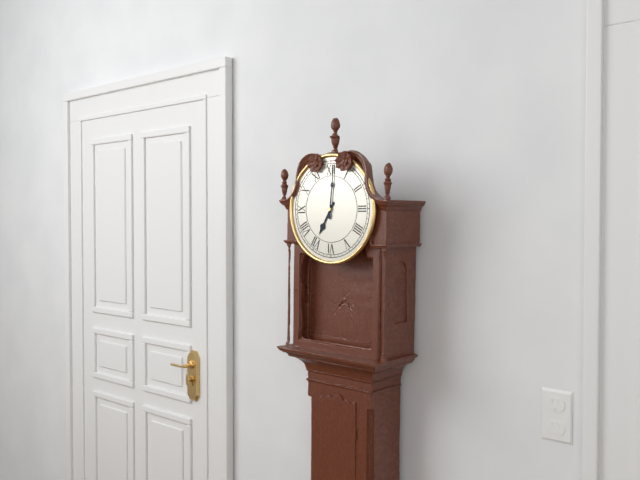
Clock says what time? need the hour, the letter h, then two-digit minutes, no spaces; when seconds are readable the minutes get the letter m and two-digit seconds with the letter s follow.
7h01
